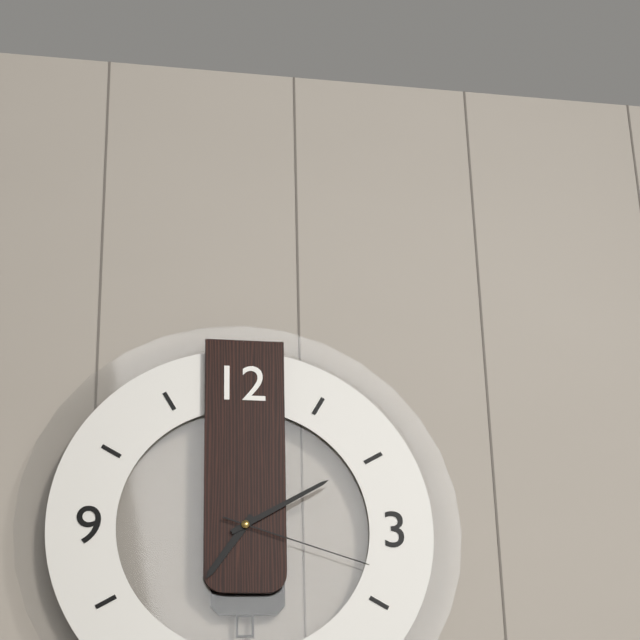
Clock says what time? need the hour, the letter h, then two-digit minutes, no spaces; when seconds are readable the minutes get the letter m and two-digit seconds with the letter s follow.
7h10m18s
